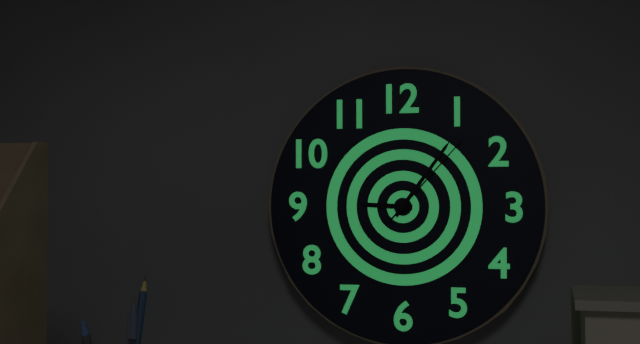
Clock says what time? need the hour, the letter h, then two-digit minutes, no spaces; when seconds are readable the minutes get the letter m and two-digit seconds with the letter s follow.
9h06m07s
